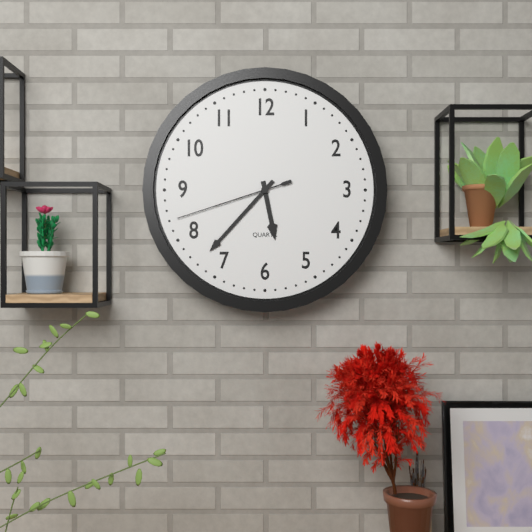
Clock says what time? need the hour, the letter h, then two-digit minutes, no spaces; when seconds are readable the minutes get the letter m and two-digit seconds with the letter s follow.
5h37m42s
